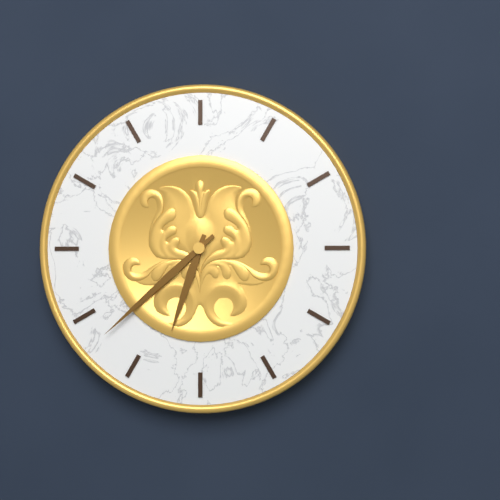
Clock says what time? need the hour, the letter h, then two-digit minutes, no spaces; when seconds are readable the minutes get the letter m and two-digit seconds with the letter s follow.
6h38
